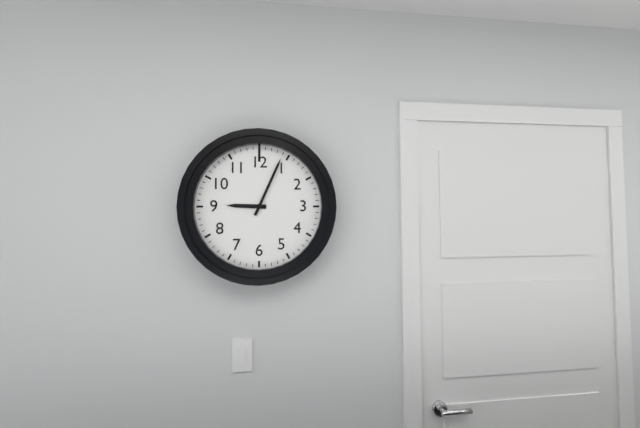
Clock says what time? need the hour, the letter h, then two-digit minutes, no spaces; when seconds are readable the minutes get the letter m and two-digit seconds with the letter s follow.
9h04
